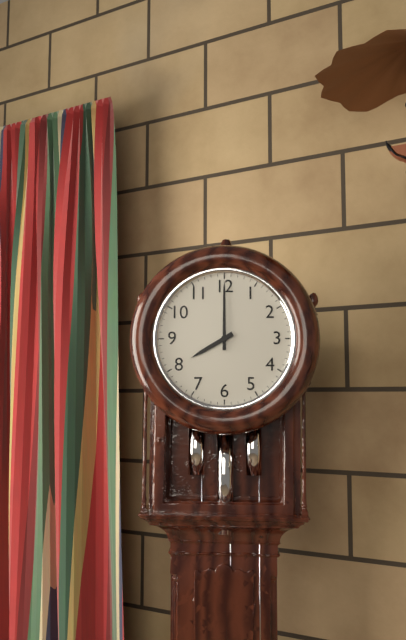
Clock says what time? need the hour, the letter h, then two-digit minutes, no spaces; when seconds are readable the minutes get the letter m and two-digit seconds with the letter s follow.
8h00
